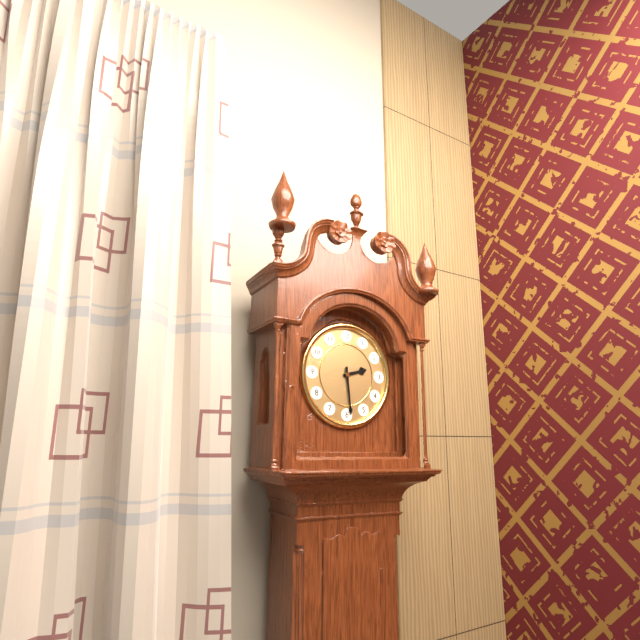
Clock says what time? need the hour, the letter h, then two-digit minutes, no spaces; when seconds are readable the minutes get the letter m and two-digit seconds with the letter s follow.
2h29
